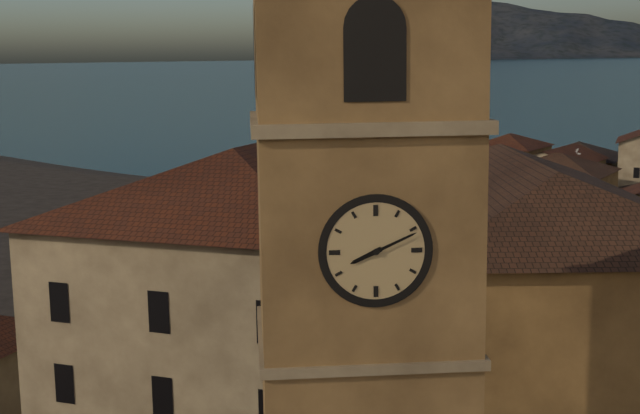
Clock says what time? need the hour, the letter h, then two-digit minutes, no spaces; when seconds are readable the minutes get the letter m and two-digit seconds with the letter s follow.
8h11
